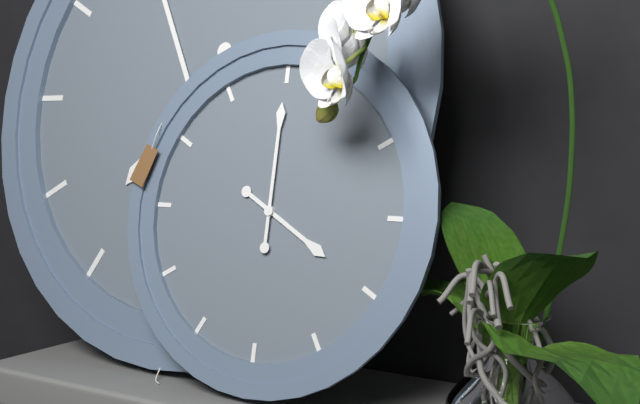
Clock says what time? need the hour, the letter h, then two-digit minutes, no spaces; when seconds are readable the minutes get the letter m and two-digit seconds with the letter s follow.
4h00
